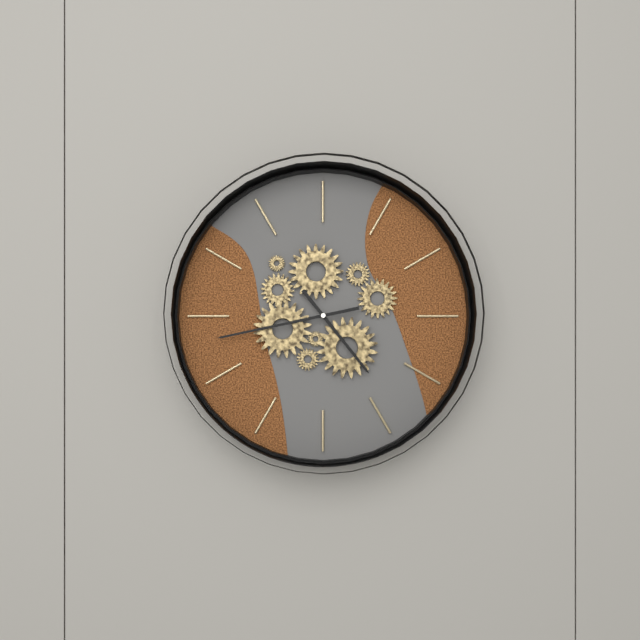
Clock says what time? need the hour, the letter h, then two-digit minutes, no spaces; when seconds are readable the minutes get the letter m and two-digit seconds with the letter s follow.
4h43
